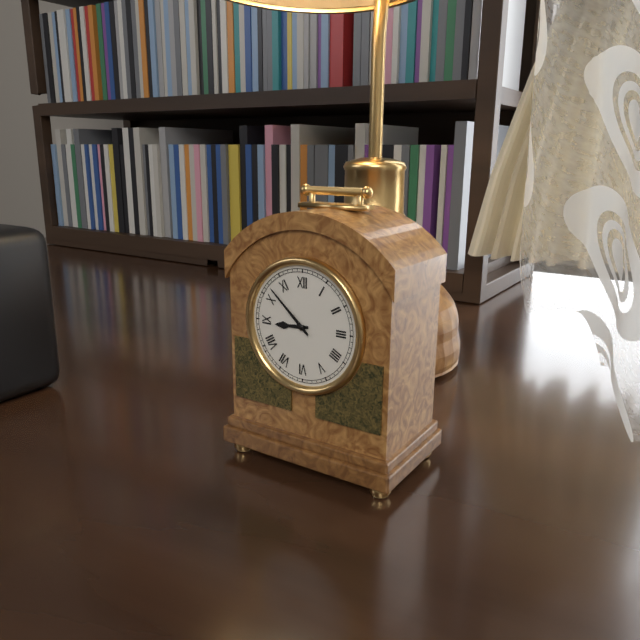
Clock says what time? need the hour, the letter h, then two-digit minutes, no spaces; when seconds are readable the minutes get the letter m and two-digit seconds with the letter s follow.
8h52
